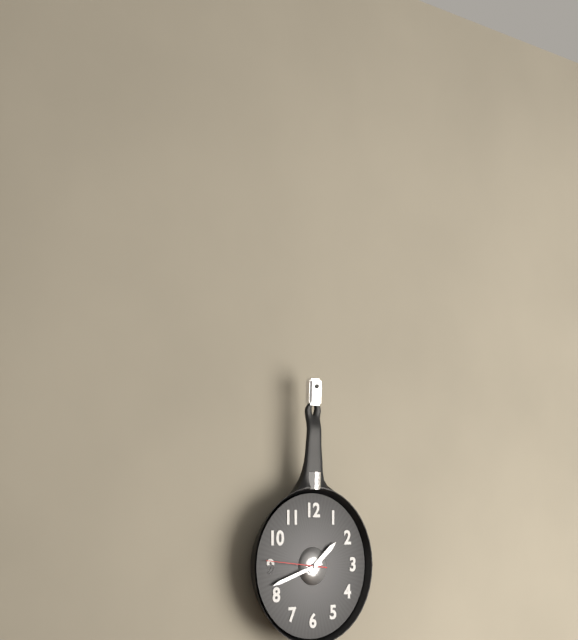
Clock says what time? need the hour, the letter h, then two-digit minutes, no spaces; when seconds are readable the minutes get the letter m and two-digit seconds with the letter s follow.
1h42m46s
